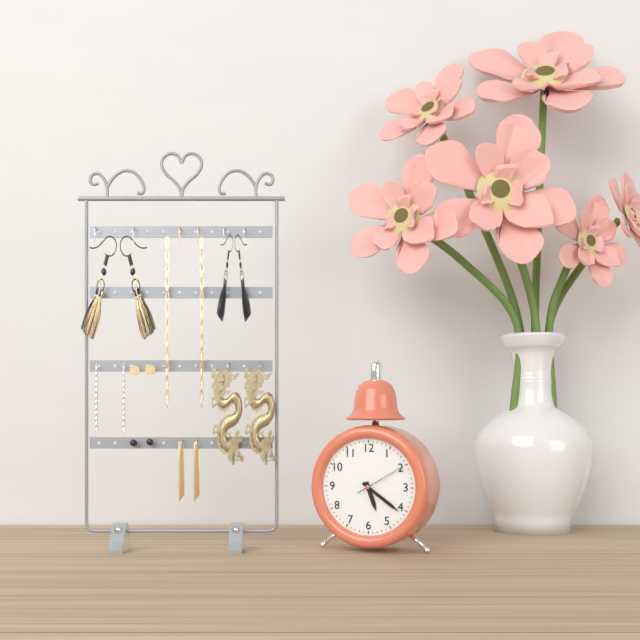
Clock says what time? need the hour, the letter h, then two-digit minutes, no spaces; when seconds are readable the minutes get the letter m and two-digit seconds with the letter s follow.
5h21m10s
